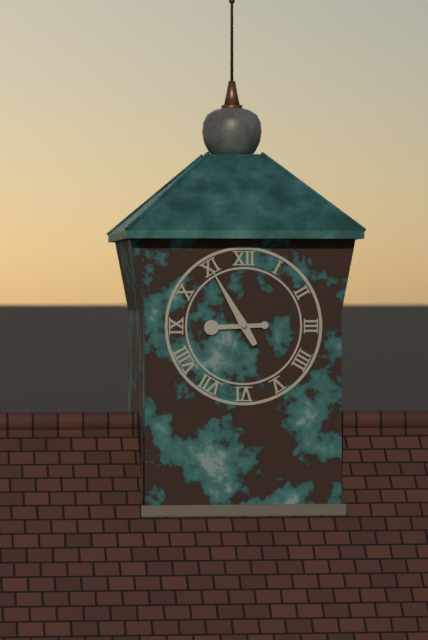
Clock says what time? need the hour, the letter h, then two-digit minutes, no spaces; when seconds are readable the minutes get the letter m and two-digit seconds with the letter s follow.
8h55
